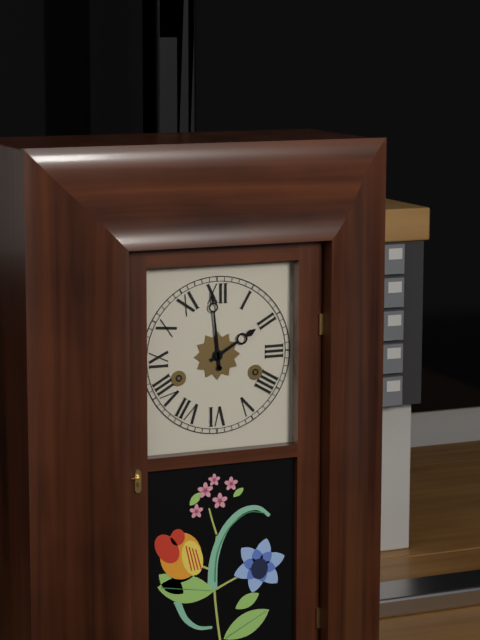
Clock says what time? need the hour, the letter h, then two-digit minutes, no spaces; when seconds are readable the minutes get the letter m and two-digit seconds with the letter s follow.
1h59
